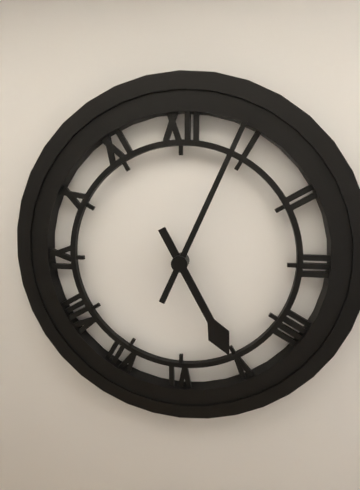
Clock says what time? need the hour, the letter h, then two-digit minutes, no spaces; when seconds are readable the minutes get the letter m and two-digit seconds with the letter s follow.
5h04
